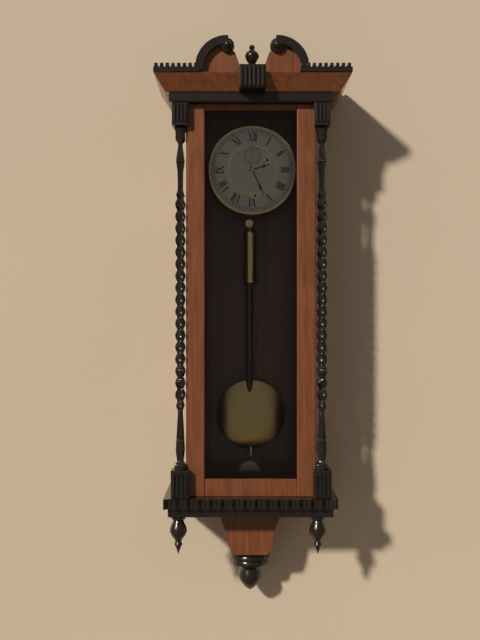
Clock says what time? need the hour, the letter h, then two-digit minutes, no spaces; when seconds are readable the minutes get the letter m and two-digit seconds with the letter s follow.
2h26
